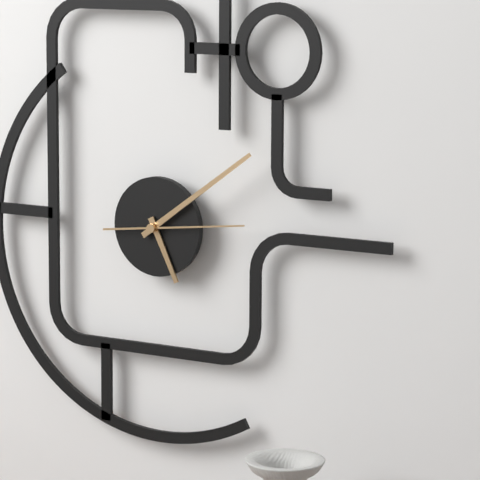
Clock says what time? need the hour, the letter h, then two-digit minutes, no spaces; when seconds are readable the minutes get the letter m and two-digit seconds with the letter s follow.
5h09m14s
